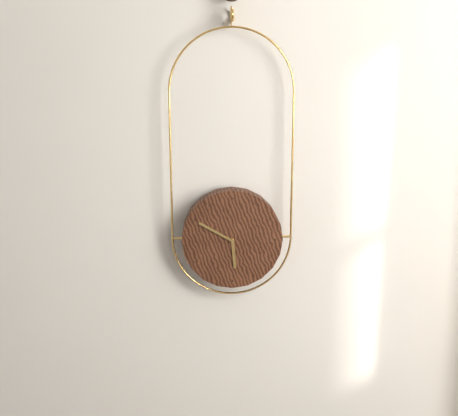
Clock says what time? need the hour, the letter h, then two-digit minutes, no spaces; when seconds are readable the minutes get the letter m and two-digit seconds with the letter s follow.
5h50
